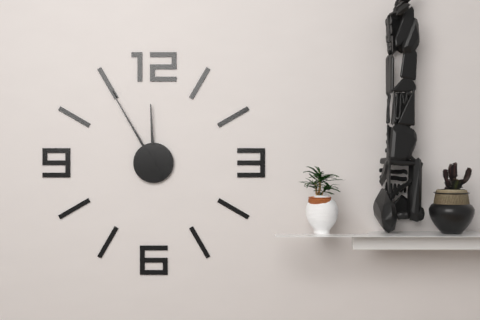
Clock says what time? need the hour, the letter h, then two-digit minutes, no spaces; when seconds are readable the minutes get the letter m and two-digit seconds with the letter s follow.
11h55
